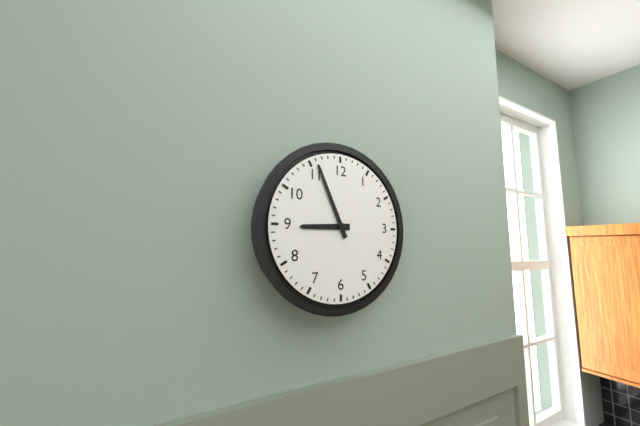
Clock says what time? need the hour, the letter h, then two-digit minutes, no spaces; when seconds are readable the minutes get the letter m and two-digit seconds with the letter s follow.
8h56
